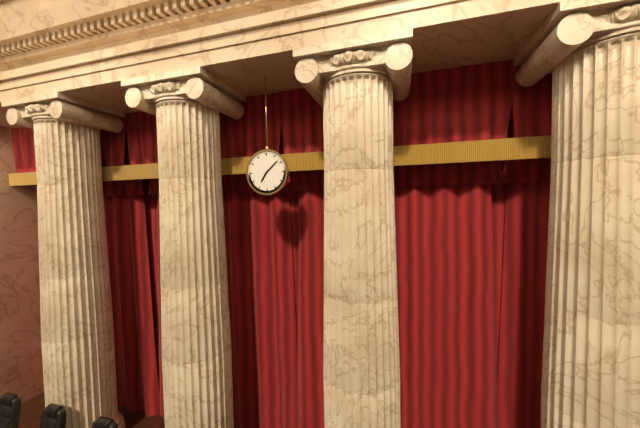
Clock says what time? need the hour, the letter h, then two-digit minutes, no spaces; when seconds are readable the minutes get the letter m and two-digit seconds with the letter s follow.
7h08
